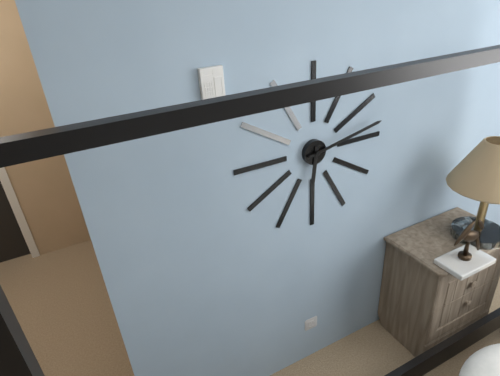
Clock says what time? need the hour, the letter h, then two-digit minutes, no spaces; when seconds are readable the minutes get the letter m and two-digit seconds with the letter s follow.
6h13
